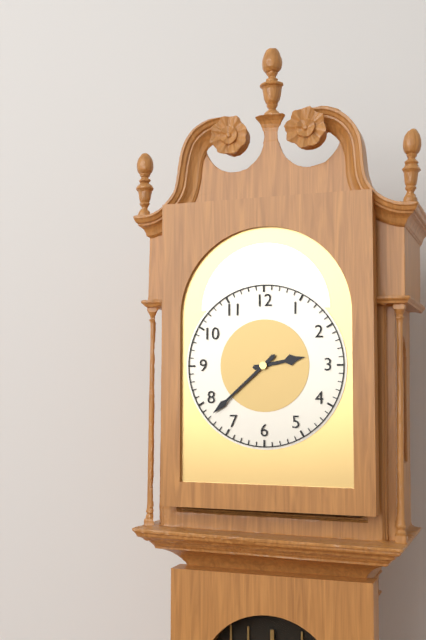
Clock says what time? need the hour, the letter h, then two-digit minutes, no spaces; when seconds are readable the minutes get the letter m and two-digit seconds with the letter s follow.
2h38
